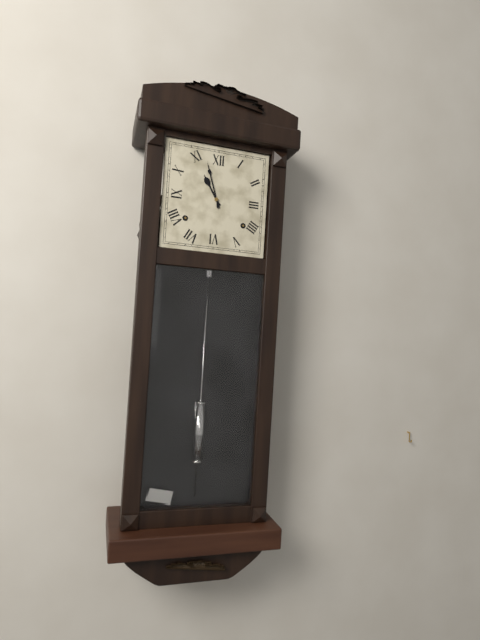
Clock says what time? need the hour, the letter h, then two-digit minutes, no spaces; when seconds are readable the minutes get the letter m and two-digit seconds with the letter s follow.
10h57
